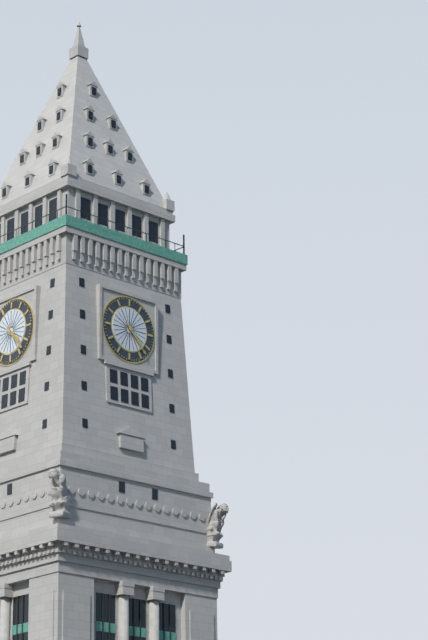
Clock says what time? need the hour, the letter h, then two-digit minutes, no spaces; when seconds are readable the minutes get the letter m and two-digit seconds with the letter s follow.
4h23
